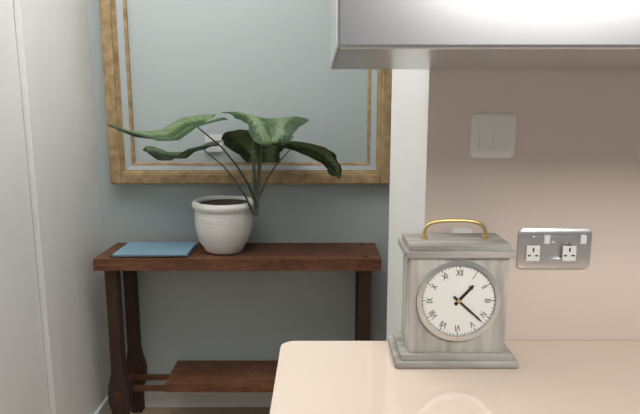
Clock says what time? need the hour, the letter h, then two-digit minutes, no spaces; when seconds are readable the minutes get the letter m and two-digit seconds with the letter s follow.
1h22
